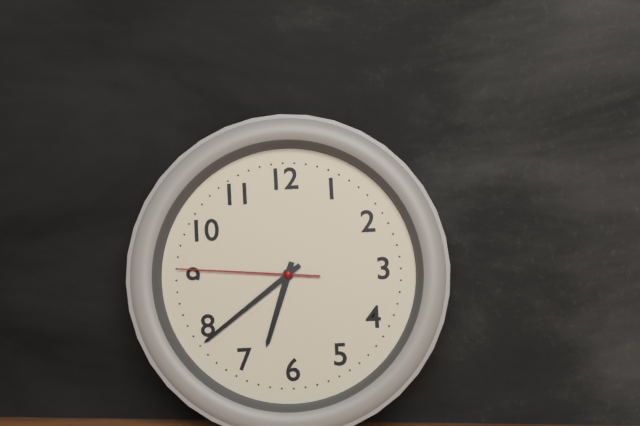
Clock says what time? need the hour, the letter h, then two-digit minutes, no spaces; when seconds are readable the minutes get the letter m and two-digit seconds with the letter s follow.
6h39m46s
